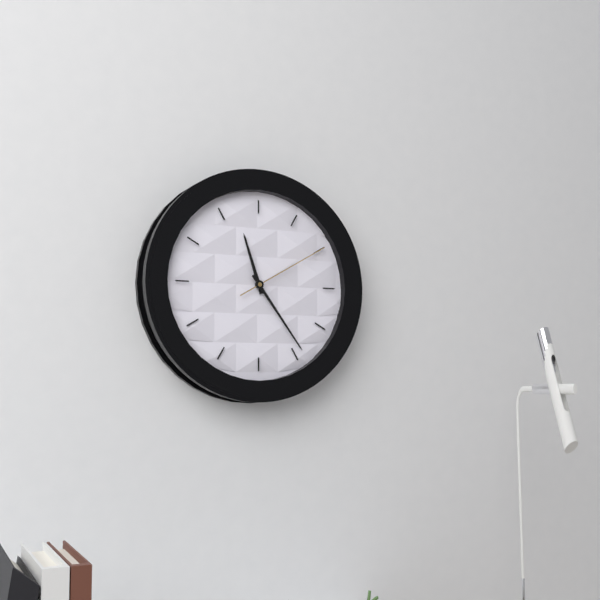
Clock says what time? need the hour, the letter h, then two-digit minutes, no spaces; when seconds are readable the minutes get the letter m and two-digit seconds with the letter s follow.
11h24m10s
